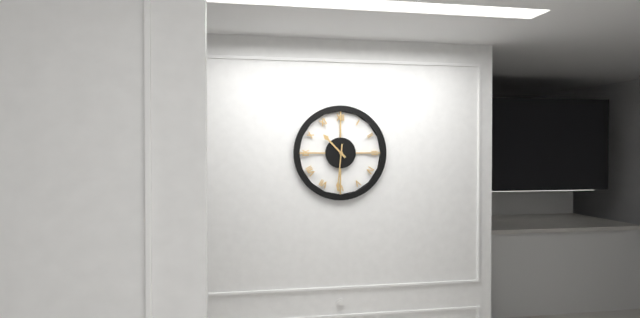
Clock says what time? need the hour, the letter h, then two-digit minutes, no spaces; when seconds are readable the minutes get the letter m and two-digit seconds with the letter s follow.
10h31
